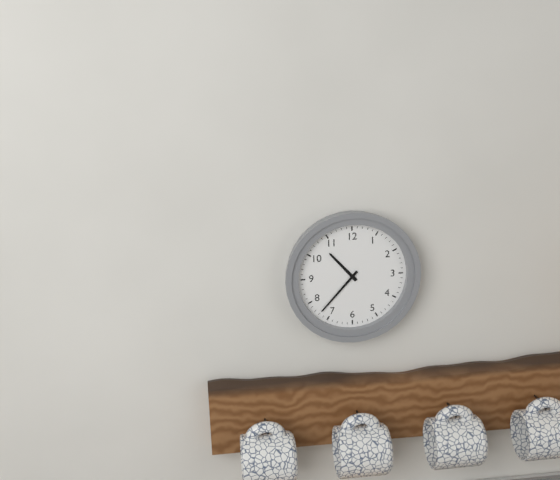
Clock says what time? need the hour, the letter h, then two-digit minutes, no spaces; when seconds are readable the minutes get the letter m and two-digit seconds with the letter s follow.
10h37
